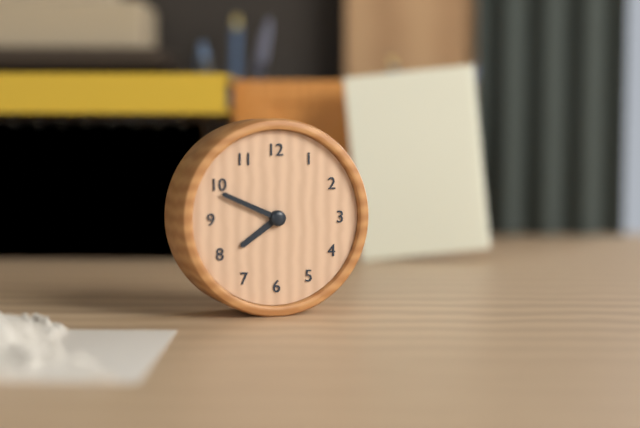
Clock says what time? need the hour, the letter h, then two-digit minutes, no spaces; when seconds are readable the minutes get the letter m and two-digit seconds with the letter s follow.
7h49
